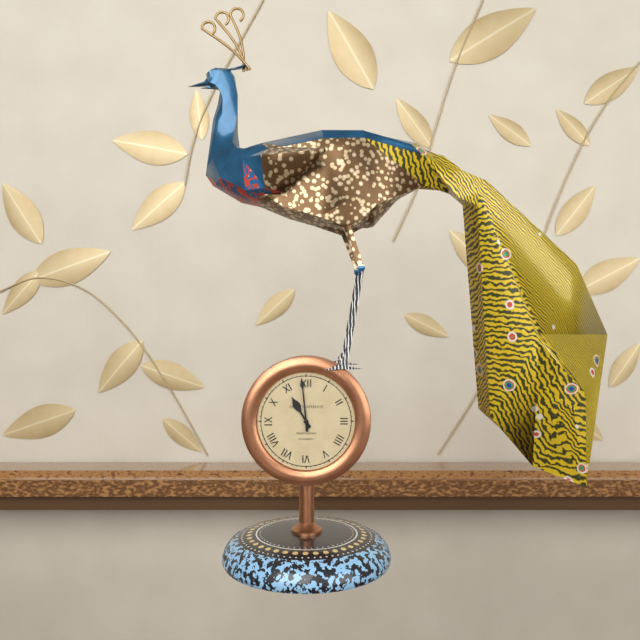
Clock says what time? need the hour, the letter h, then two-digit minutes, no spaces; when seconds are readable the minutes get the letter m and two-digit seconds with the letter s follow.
10h59
